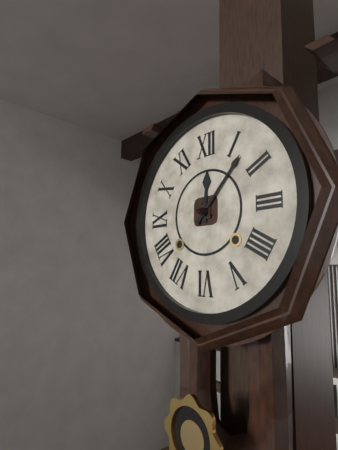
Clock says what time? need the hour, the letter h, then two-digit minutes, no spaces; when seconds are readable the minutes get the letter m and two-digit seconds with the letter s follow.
12h07
